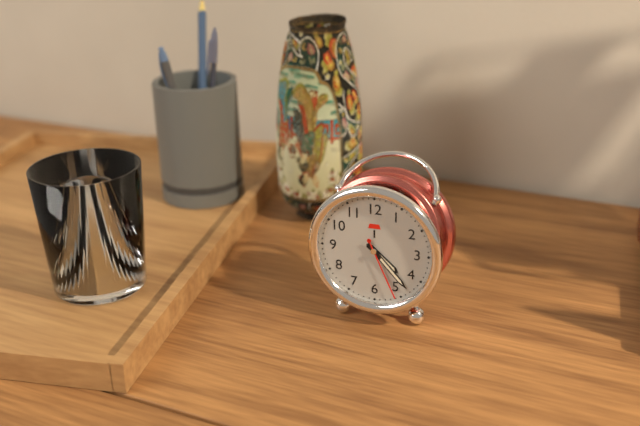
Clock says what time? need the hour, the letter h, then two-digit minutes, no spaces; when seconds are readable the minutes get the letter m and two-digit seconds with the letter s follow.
4h23m26s
